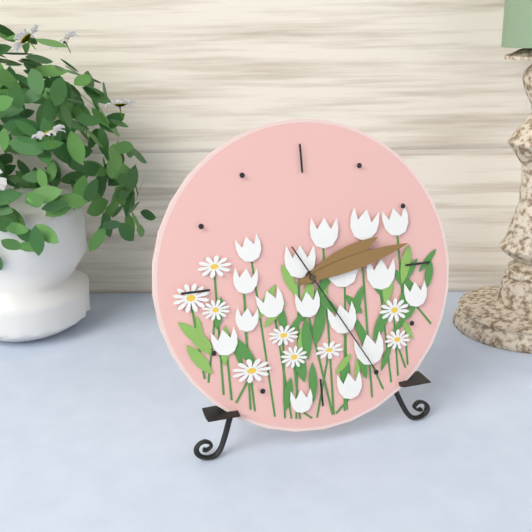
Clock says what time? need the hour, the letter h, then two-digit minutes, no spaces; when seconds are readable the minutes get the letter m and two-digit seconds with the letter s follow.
2h13m25s
